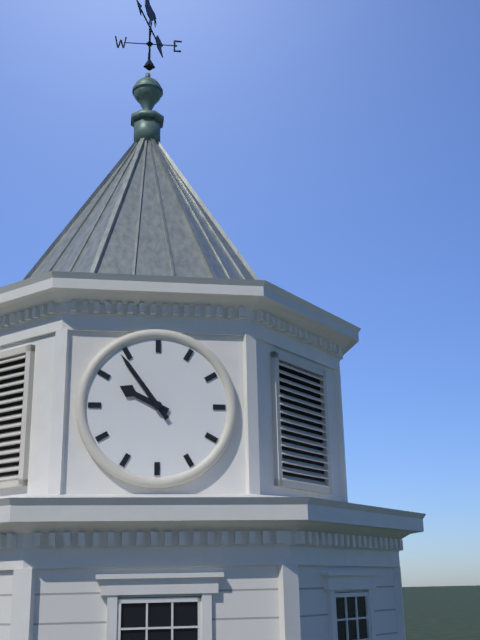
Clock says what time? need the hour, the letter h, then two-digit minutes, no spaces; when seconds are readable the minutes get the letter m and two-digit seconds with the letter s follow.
9h54
